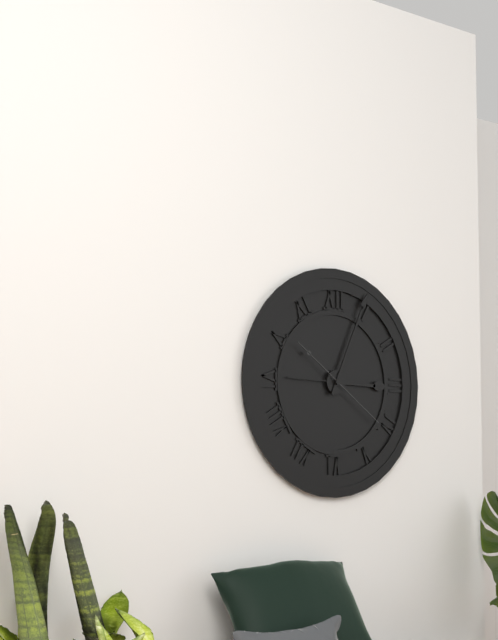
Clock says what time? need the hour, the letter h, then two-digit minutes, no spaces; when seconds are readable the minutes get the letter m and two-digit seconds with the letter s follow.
3h04m21s
